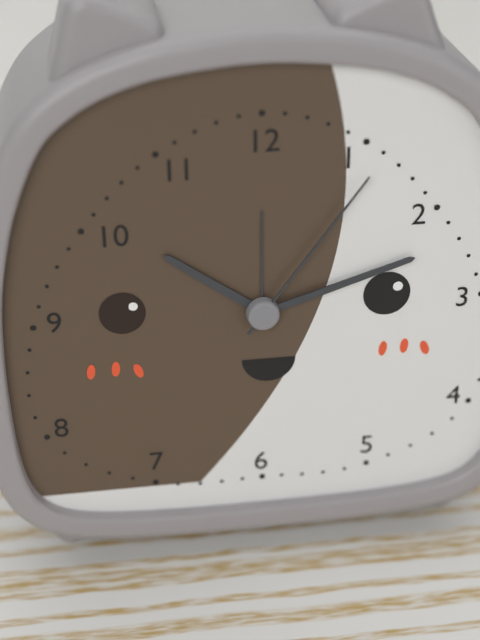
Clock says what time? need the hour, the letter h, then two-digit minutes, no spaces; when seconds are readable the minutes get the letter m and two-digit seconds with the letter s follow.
10h12m06s
